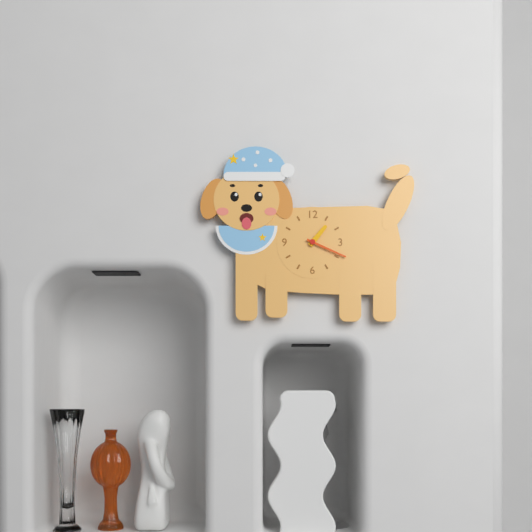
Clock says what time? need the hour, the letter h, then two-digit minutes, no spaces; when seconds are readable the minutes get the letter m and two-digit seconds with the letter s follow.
1h19
